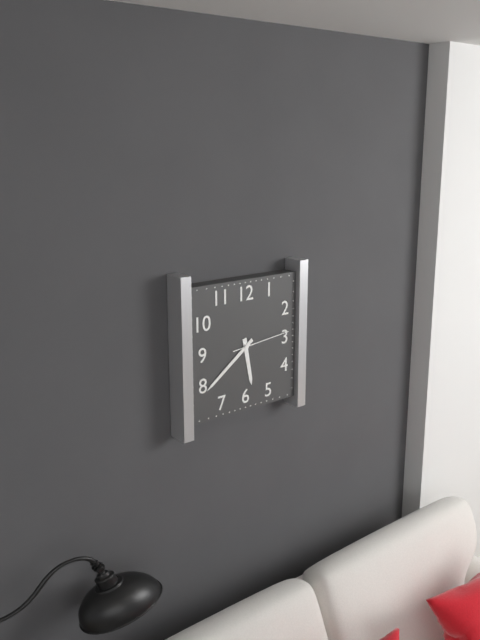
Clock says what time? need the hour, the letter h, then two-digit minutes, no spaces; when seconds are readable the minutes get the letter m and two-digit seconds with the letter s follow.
5h39m14s
